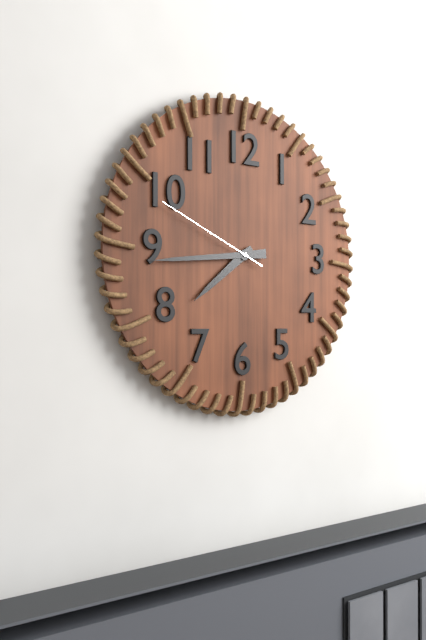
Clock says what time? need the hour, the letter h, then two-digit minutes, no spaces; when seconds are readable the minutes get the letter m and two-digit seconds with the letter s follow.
7h44m49s
